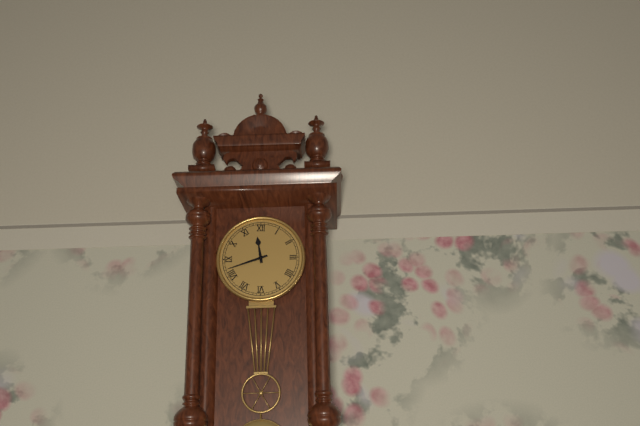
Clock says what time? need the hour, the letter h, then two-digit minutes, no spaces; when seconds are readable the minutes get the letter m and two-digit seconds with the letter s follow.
11h42
